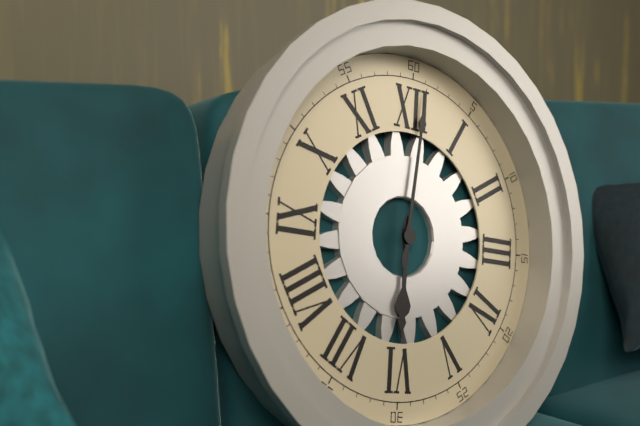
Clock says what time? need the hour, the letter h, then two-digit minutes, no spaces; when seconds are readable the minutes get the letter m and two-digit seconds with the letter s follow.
6h01
